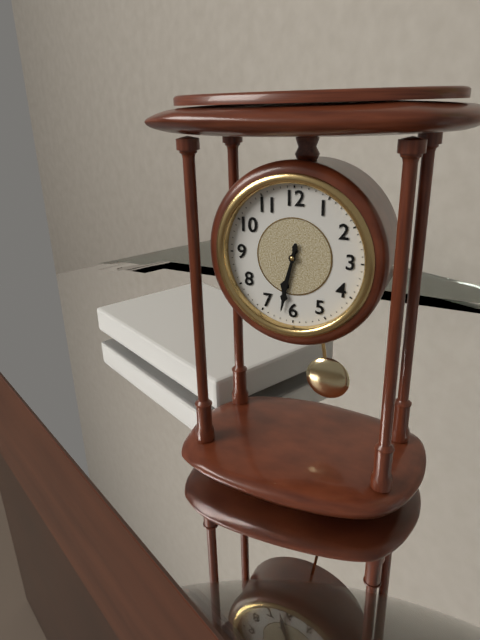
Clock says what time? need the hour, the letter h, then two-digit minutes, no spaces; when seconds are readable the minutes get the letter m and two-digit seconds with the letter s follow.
6h32
